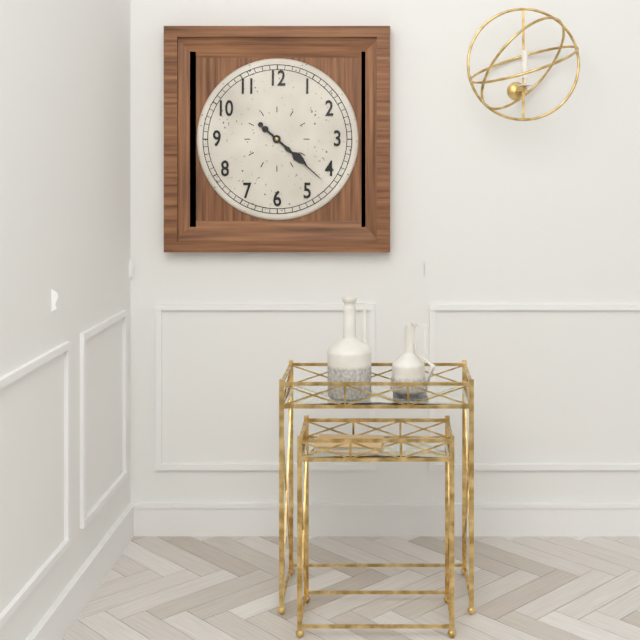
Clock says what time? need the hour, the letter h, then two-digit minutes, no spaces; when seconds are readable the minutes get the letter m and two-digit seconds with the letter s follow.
4h22
